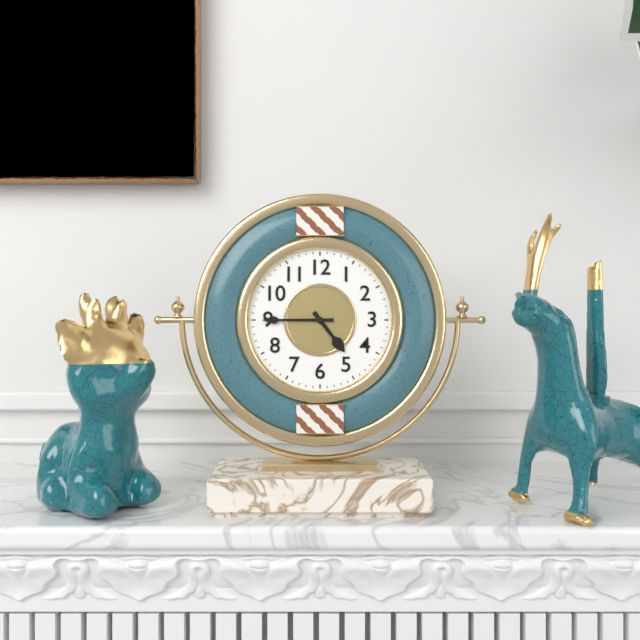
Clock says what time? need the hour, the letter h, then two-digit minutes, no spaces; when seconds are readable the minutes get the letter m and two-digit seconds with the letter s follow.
4h45
